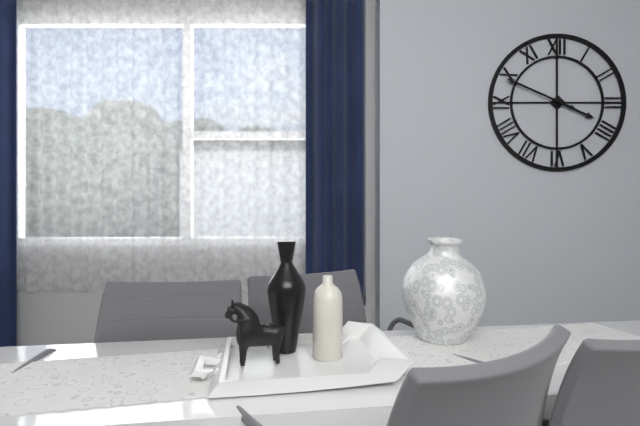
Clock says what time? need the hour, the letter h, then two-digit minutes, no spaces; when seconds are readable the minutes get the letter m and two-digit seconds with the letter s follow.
3h49
